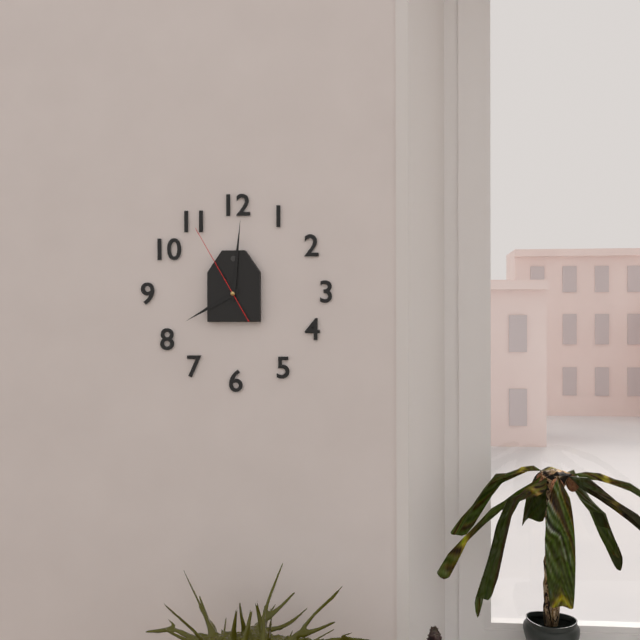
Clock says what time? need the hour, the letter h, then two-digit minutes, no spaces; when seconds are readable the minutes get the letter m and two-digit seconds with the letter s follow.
8h01m55s
